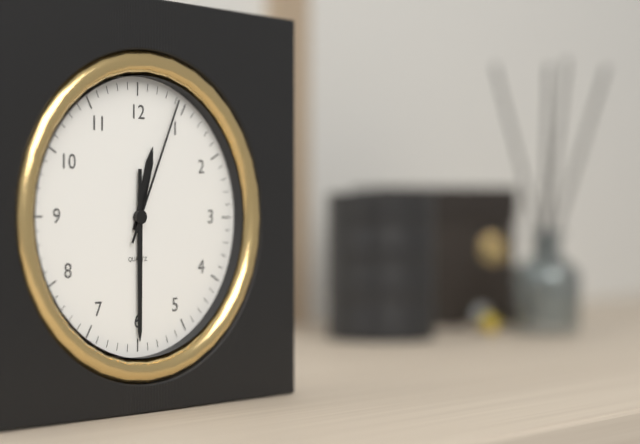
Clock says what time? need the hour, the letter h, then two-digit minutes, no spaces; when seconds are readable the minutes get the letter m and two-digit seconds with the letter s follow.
12h30m04s
